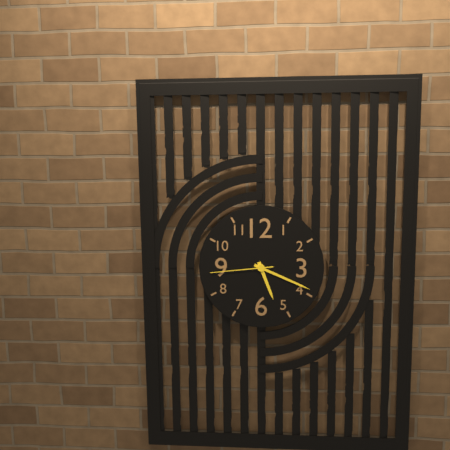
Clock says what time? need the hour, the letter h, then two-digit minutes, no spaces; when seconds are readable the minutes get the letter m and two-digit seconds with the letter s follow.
5h19m44s
